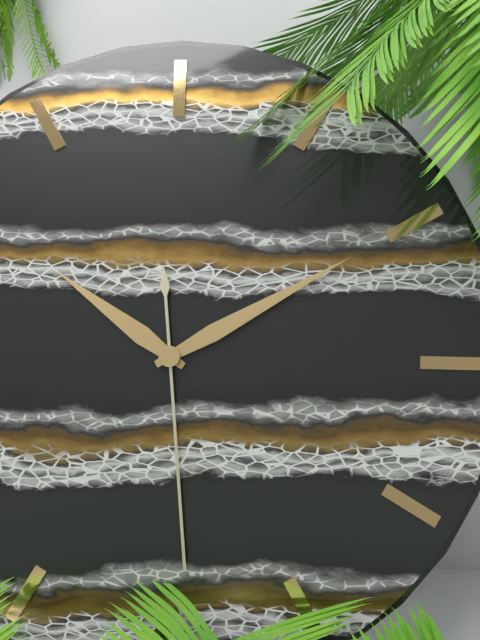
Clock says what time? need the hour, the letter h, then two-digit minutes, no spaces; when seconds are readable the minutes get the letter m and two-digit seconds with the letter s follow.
10h10m29s
